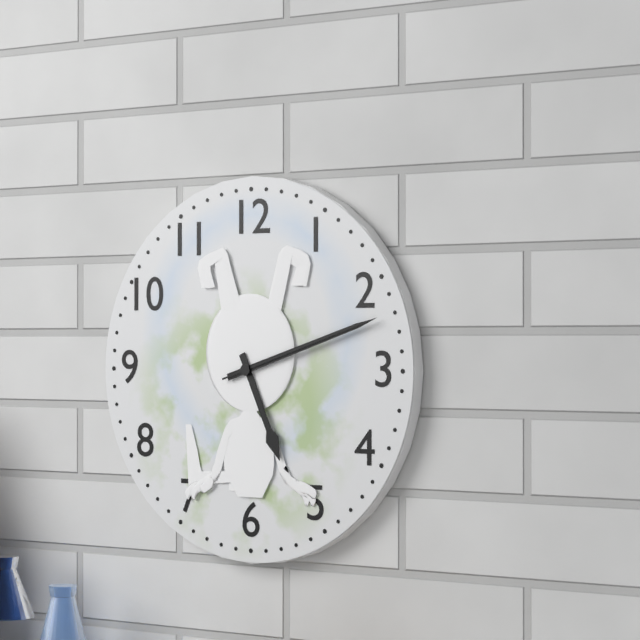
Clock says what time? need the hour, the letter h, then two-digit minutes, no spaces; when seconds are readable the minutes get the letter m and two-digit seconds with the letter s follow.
5h12m12s
